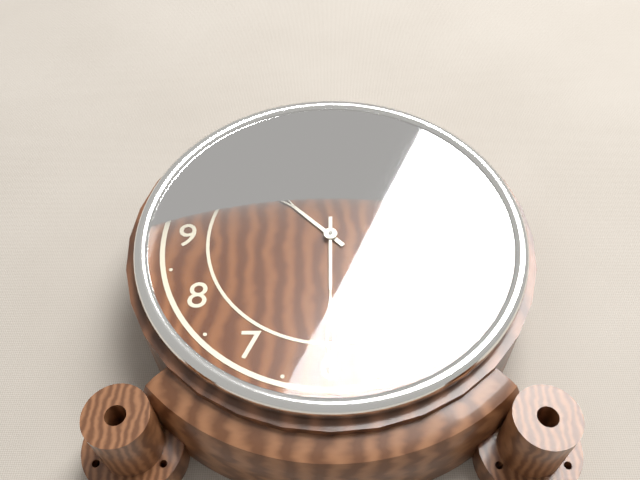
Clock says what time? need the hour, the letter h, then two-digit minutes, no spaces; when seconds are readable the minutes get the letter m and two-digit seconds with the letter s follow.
10h30
